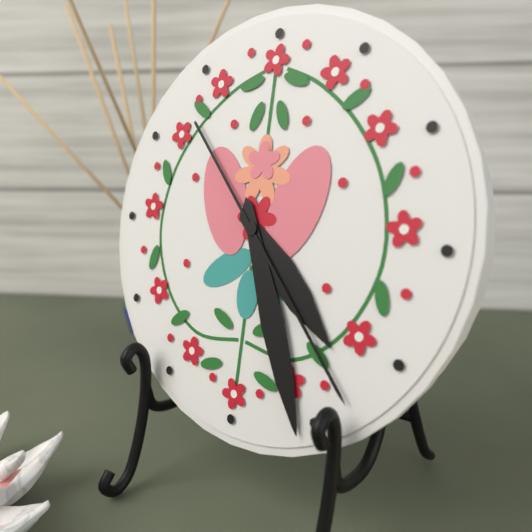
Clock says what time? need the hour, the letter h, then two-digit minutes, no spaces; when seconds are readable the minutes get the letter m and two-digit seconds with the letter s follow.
4h26m23s
